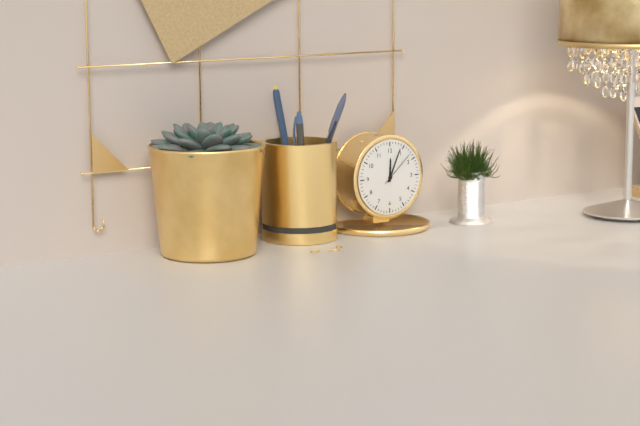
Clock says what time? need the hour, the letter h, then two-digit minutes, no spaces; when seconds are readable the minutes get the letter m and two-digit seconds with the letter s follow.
12h04
